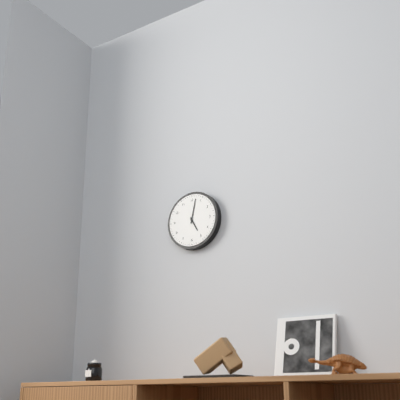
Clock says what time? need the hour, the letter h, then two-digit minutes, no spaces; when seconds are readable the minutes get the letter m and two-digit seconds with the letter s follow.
5h02
